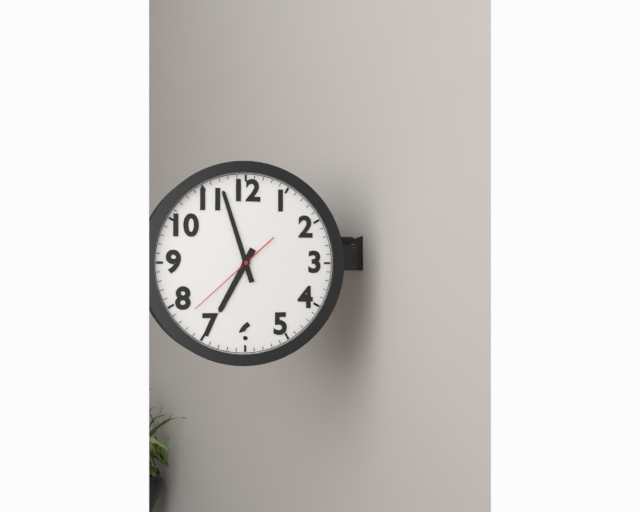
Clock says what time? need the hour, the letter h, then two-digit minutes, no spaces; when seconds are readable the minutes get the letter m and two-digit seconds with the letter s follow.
6h57m38s
